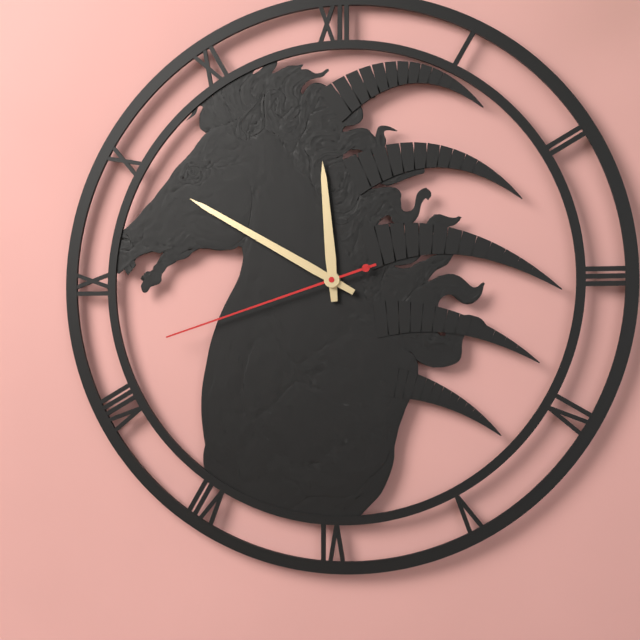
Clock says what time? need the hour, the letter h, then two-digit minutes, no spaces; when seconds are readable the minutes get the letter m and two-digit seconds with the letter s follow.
11h50m42s
